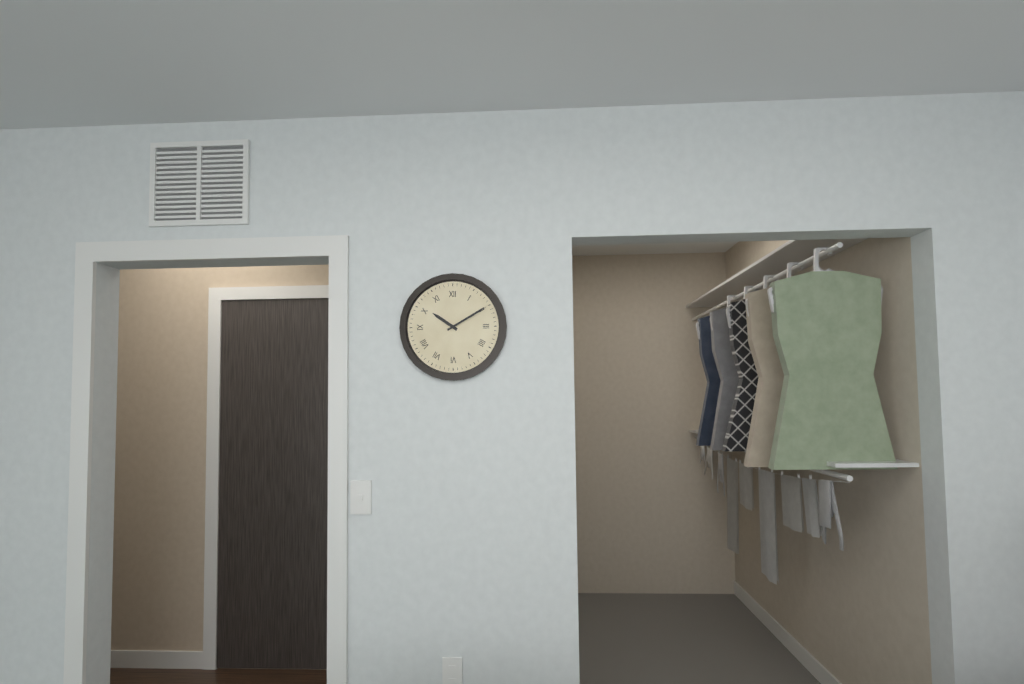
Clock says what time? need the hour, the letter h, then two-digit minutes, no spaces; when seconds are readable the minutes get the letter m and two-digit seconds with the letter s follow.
10h10
